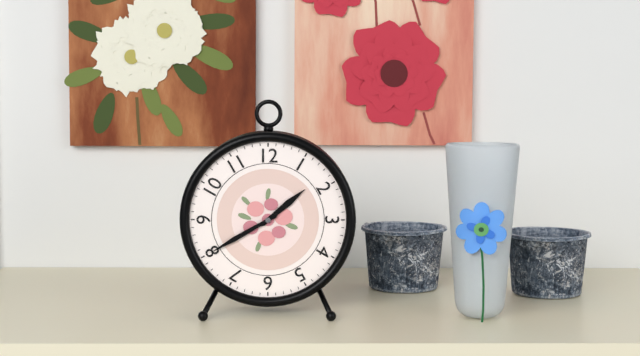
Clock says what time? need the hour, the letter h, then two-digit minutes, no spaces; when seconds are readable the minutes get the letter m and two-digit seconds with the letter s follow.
1h40
